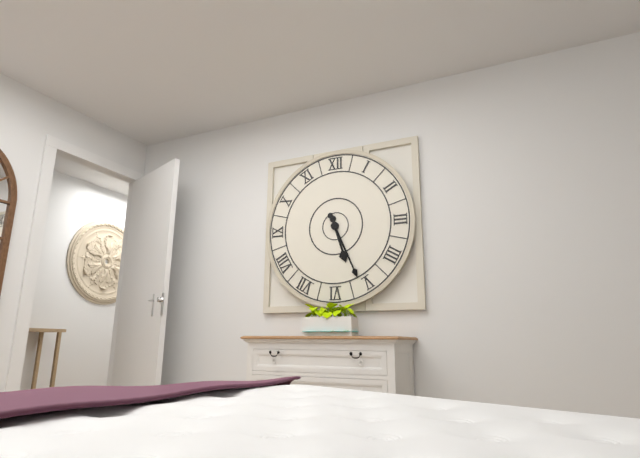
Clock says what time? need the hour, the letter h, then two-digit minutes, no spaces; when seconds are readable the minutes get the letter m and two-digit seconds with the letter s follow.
5h26
